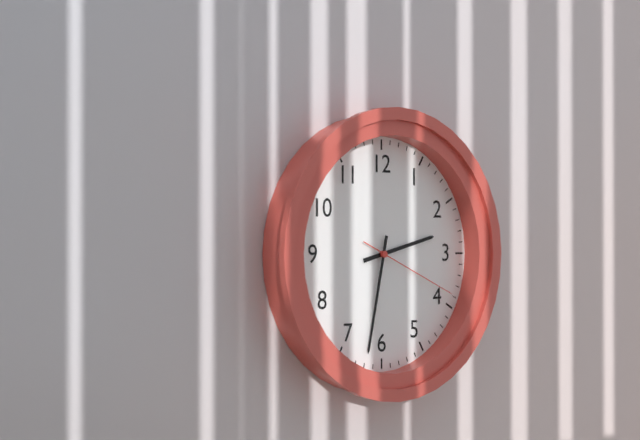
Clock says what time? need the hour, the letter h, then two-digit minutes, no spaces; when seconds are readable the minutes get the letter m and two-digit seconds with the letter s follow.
2h32m19s
